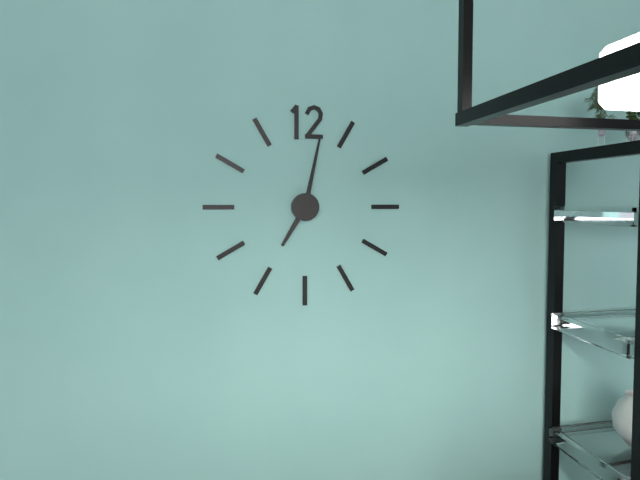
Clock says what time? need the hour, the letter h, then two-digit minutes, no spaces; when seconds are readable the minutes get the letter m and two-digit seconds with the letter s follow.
7h02
